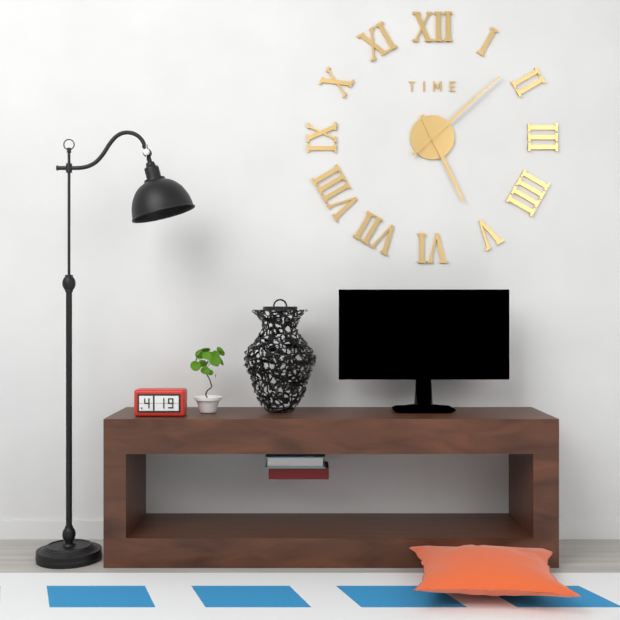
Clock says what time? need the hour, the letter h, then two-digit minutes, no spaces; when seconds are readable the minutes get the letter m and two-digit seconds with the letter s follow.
5h08
